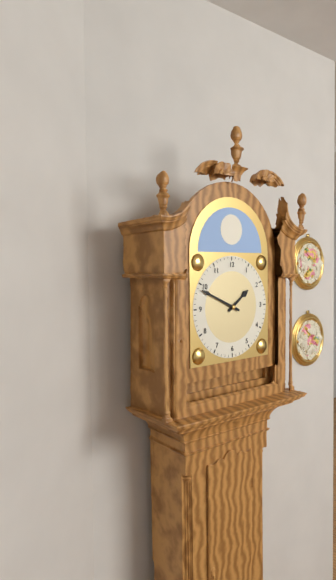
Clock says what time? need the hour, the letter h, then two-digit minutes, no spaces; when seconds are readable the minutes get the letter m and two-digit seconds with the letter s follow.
1h49
